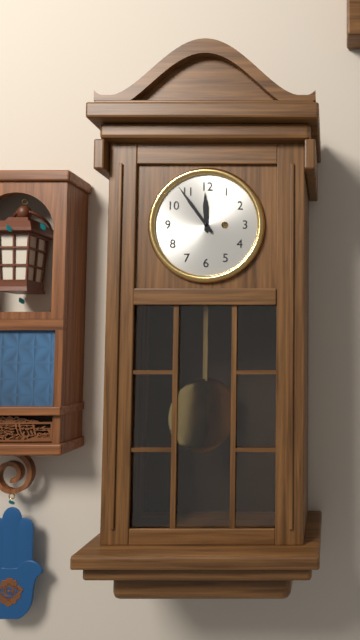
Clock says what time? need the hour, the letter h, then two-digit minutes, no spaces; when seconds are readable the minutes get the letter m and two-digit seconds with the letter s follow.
11h54
